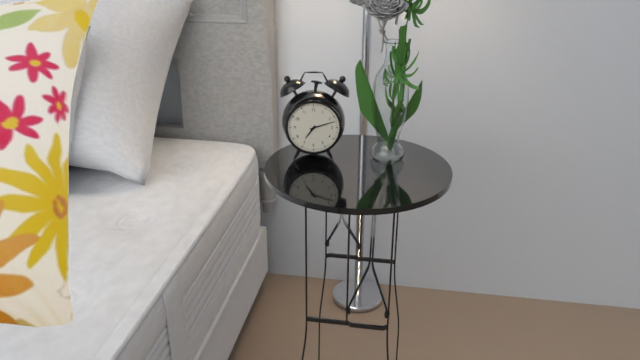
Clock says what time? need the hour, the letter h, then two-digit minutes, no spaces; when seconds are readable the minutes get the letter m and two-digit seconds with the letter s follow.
7h12
